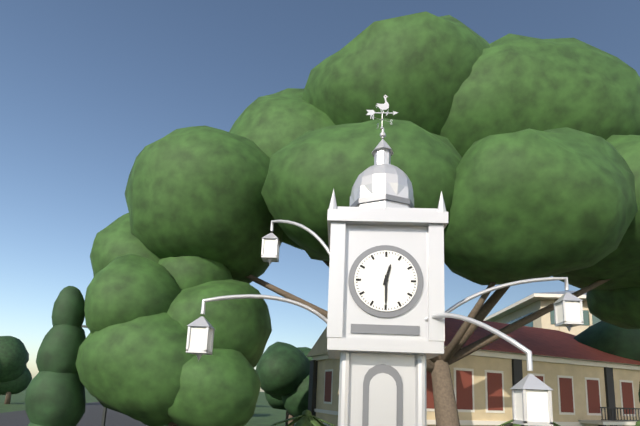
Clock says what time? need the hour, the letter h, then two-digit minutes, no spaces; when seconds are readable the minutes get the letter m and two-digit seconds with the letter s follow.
12h30
